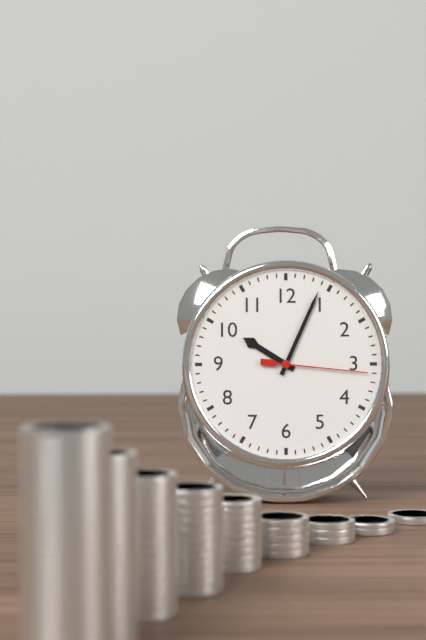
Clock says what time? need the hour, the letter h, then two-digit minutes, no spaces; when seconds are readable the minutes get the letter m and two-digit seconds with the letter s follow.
10h04m16s
